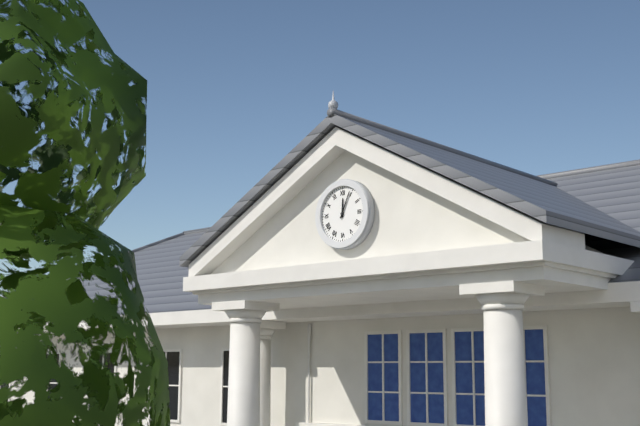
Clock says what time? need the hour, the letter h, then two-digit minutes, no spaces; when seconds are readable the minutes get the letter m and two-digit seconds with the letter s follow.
12h04
